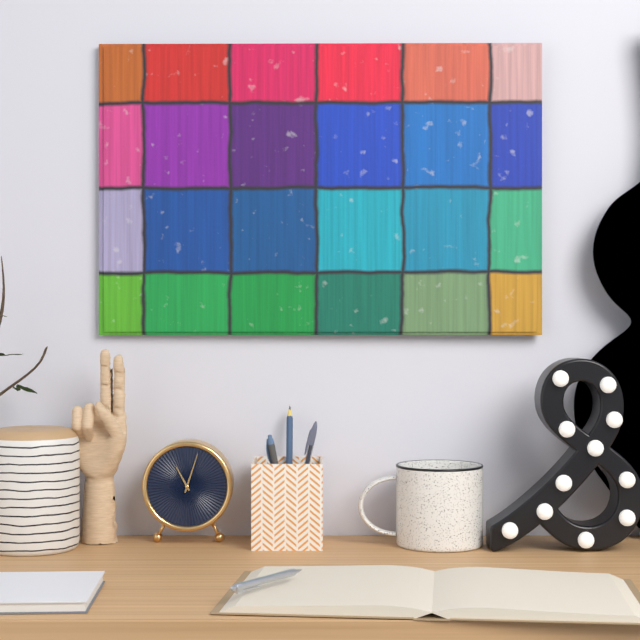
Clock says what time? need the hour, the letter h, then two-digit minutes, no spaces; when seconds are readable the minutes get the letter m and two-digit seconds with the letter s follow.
11h03
